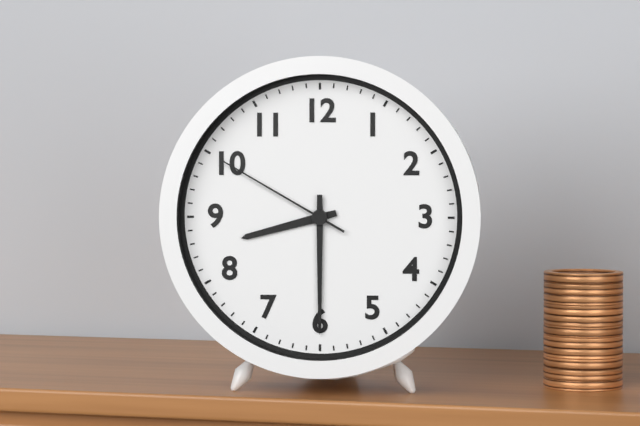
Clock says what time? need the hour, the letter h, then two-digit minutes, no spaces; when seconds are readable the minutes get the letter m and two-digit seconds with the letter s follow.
8h30m50s
